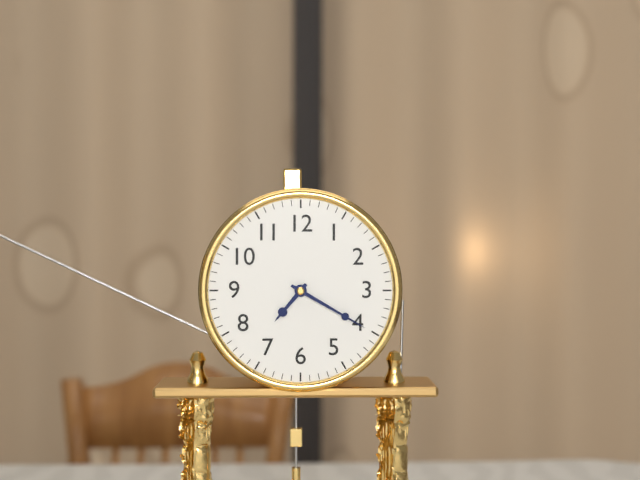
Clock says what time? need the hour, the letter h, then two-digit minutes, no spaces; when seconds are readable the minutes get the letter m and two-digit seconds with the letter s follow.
7h20
